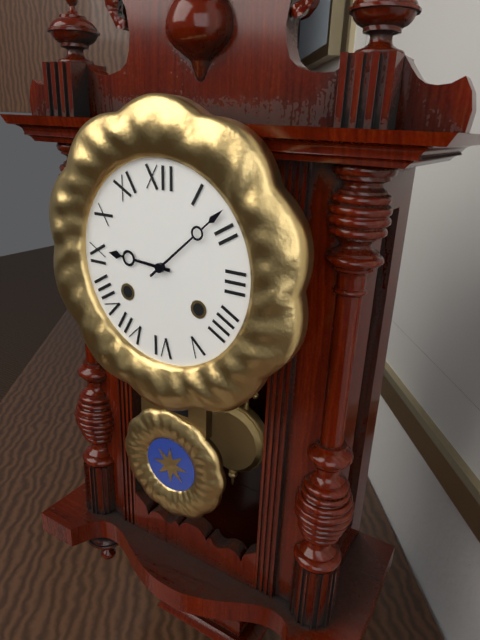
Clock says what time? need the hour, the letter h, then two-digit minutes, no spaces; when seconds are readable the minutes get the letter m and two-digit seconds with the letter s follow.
9h08
